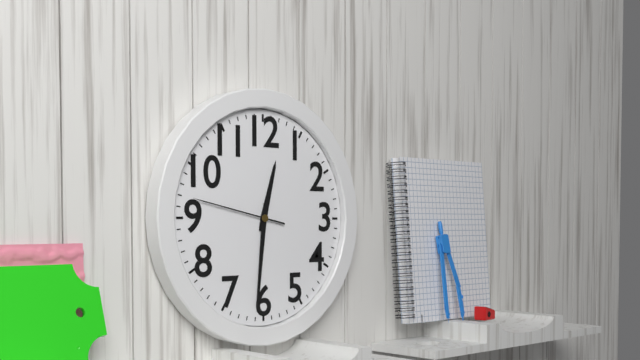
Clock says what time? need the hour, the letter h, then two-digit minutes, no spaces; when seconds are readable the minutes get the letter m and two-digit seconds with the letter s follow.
12h31m47s
